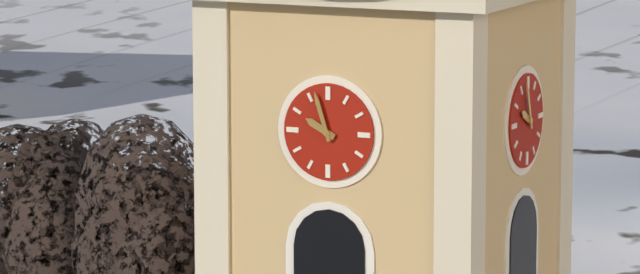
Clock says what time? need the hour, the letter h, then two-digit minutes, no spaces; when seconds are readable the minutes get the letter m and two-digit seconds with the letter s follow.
9h57
